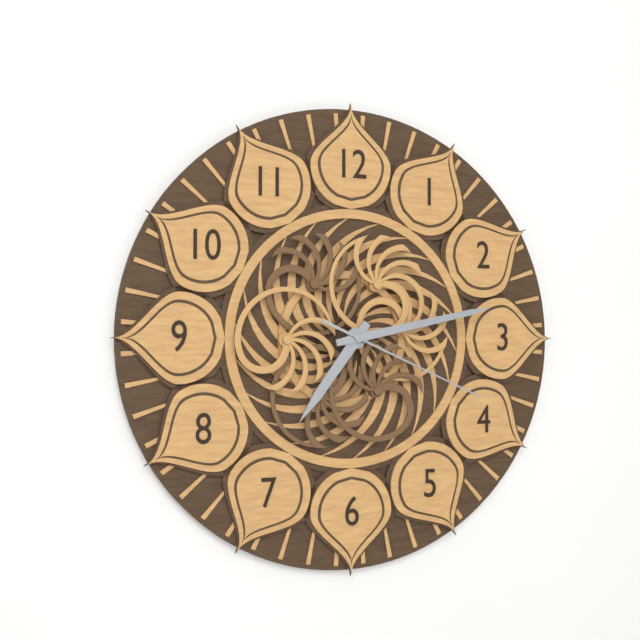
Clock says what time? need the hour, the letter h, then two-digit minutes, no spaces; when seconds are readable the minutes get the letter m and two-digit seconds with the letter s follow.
7h13m19s
